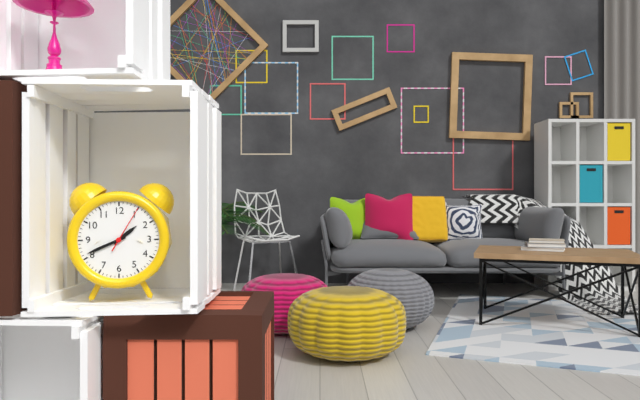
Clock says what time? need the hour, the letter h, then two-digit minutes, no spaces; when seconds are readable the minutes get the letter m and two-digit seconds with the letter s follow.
1h41
